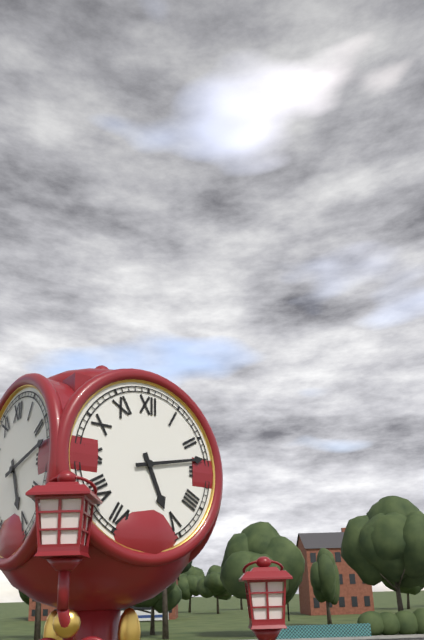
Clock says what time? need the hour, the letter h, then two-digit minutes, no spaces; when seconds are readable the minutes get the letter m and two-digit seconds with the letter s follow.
5h13
